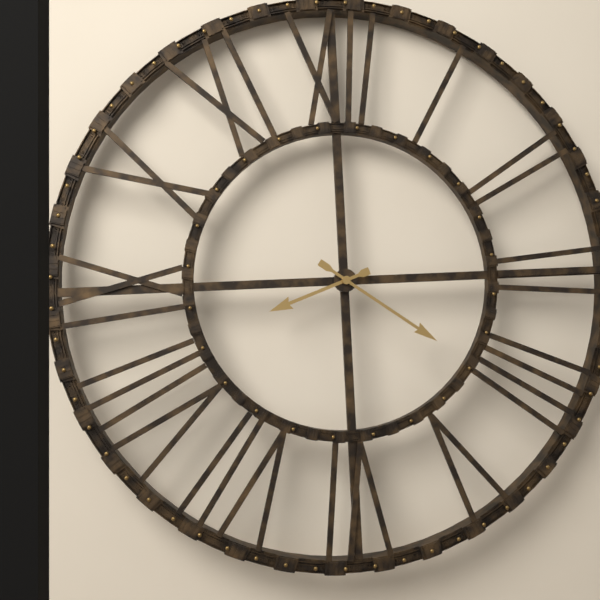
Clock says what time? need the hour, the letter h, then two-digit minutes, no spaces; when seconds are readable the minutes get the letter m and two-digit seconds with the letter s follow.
8h21
